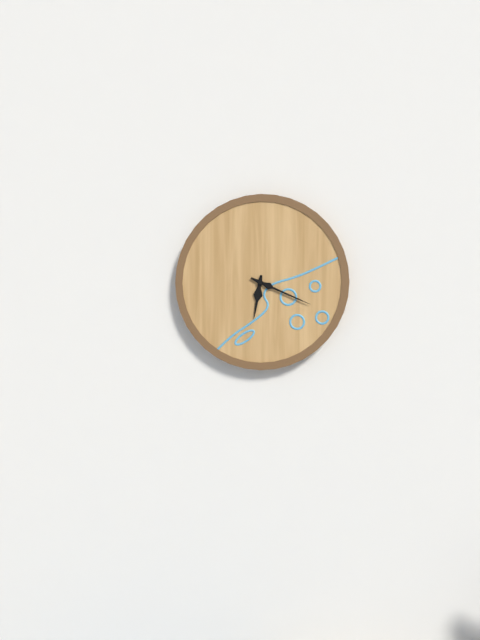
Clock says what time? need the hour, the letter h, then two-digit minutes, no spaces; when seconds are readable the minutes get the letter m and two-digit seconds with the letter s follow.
6h19
